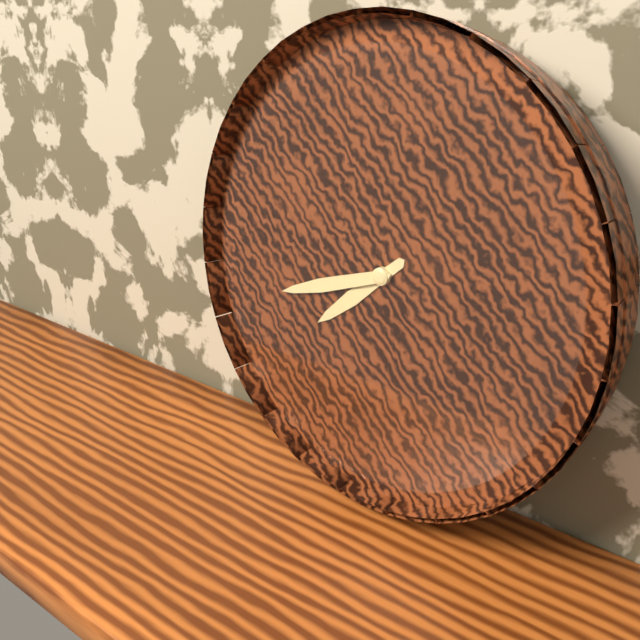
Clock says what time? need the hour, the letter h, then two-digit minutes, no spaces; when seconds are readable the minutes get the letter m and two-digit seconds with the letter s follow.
7h42
